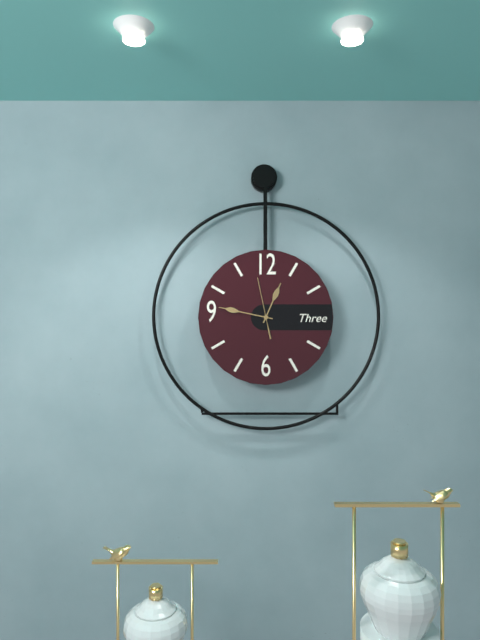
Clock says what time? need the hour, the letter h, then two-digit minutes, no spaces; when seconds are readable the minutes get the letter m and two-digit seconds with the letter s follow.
12h47m58s
